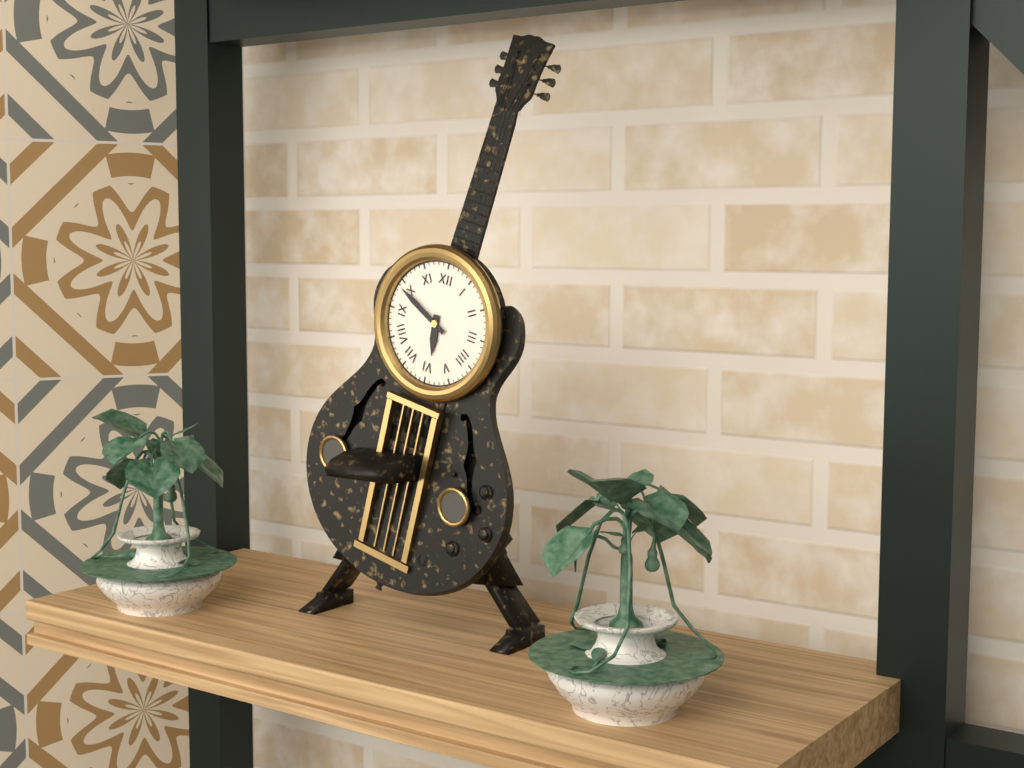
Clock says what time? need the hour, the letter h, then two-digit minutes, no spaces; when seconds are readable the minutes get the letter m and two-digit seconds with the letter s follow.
5h49
